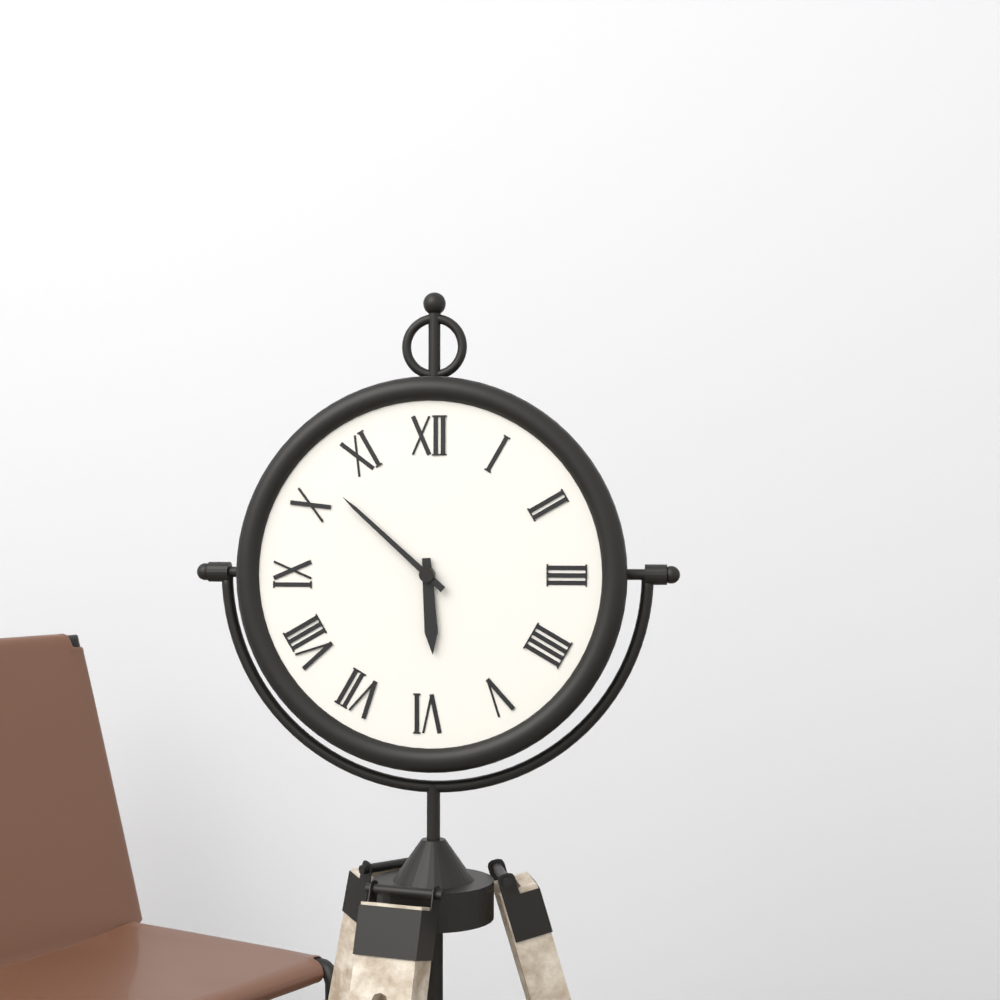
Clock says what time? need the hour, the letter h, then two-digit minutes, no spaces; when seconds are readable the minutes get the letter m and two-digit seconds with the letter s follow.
5h52
